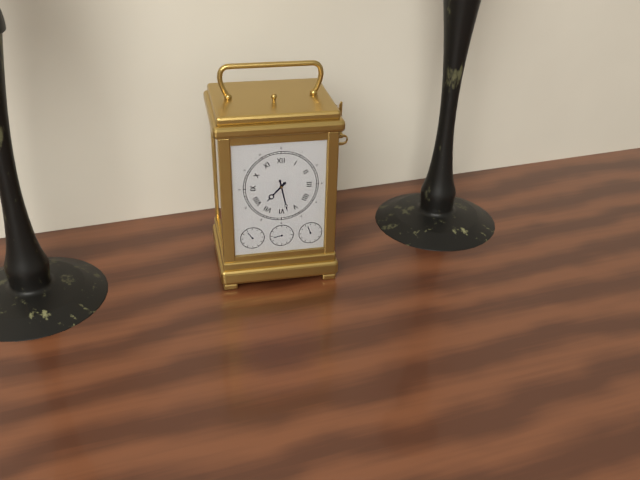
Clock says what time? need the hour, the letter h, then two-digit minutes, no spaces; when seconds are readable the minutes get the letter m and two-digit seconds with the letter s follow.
7h28
